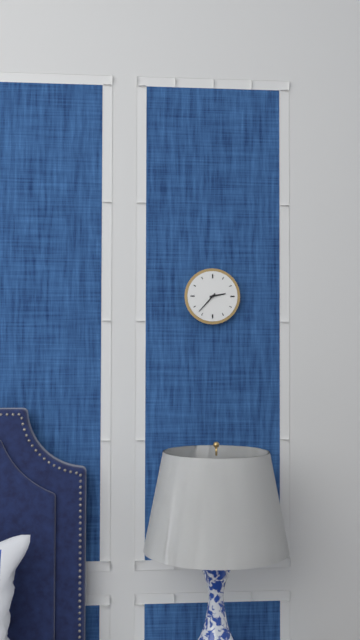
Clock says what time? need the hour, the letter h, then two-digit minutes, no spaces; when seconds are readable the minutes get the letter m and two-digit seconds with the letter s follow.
2h37
